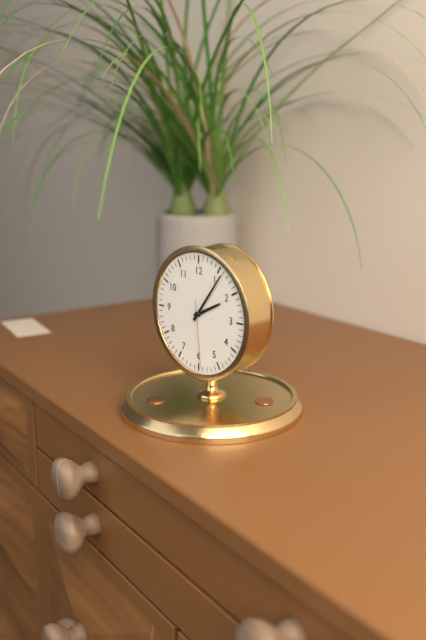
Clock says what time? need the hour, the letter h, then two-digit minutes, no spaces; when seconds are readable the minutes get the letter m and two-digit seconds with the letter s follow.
2h06m29s
